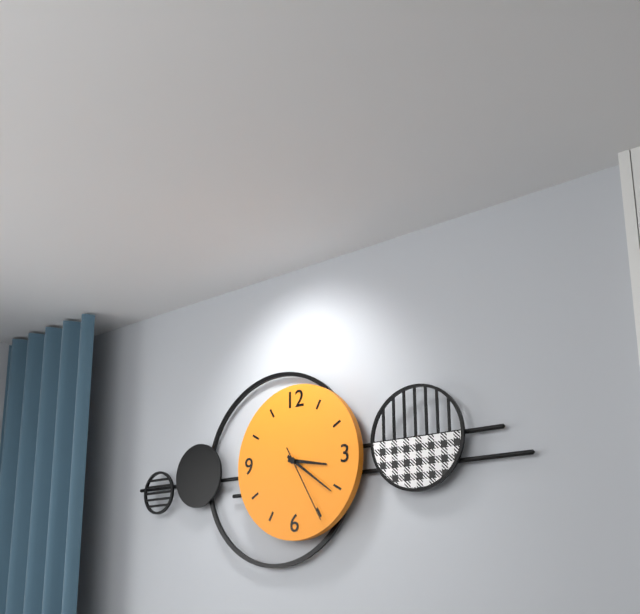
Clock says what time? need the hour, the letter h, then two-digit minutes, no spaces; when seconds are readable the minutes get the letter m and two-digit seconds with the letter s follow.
3h21m25s
